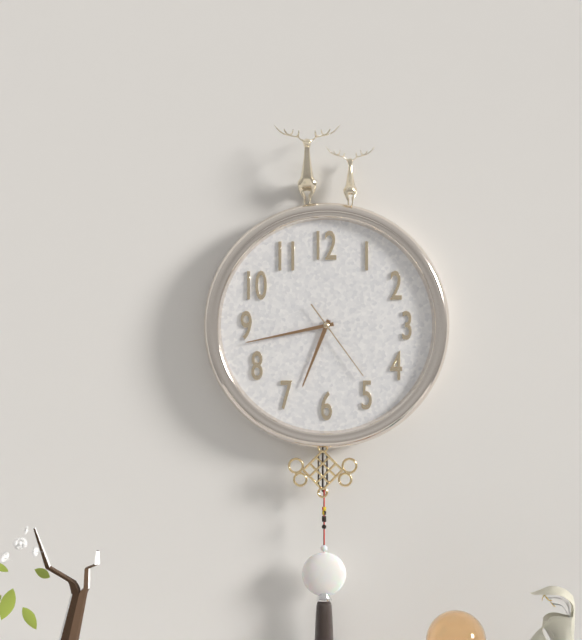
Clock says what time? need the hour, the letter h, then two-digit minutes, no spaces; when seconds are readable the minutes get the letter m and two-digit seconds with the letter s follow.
6h43m24s
